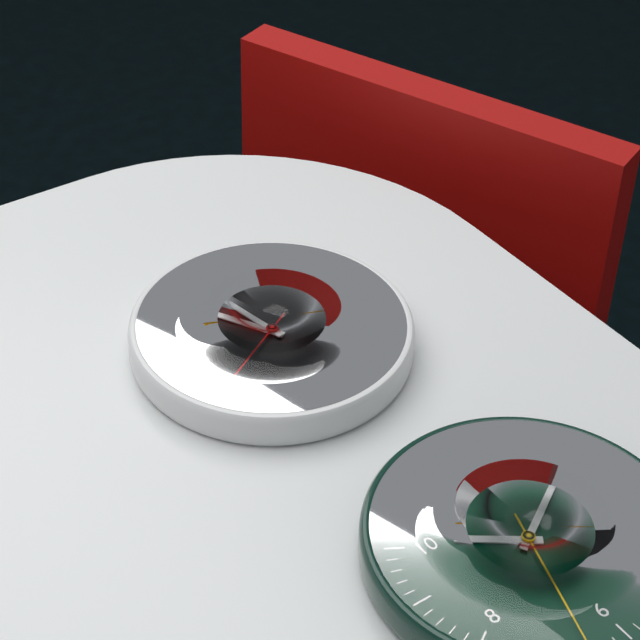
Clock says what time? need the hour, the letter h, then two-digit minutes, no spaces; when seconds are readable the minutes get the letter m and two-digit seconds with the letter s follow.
10h58m40s
